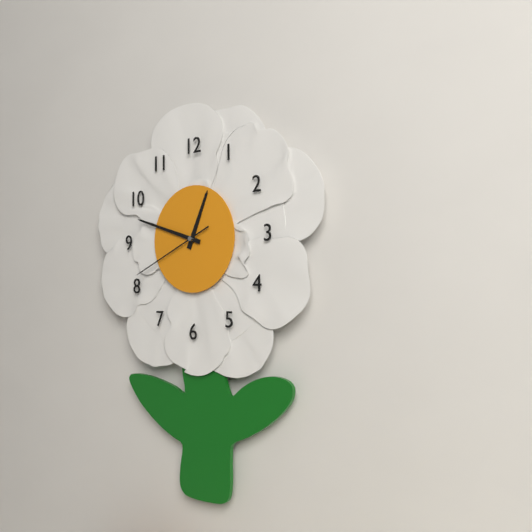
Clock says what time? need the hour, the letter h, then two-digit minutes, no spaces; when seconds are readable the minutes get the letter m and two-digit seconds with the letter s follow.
12h48m41s
